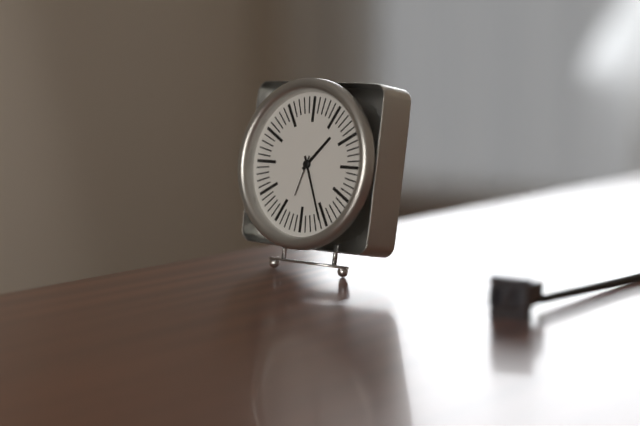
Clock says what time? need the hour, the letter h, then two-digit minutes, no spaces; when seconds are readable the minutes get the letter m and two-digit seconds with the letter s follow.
1h26
